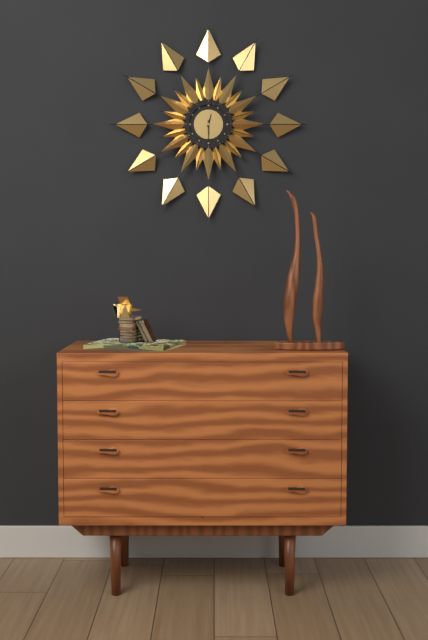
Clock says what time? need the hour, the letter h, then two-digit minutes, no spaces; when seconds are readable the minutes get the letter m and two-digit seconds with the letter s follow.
12h30
